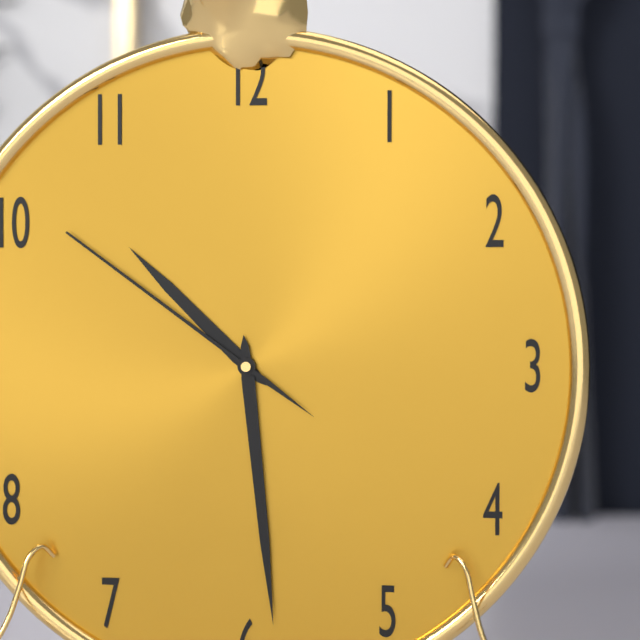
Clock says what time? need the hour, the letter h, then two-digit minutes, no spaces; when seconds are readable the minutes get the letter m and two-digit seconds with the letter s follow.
10h29m51s
